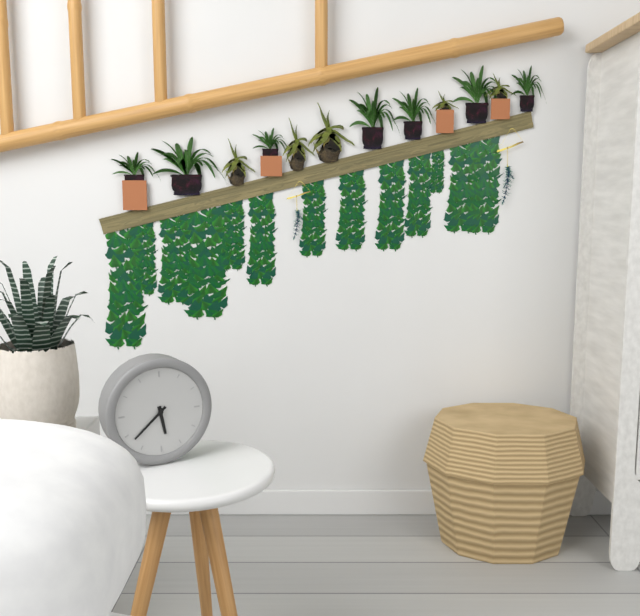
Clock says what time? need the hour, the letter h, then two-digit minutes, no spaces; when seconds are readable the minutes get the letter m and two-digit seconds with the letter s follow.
5h38
